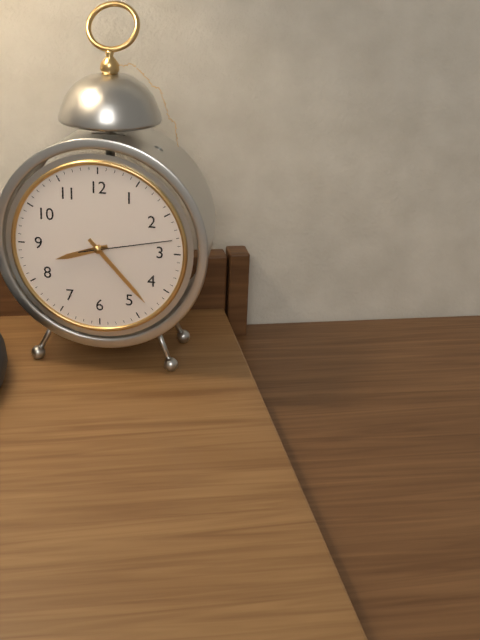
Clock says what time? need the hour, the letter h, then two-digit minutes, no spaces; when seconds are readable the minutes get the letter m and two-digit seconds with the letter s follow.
8h23m13s
